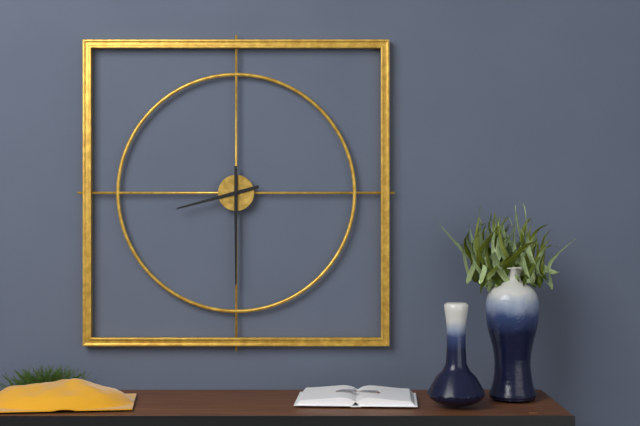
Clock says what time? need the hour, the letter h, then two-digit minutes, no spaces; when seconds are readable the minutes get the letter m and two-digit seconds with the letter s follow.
8h30
